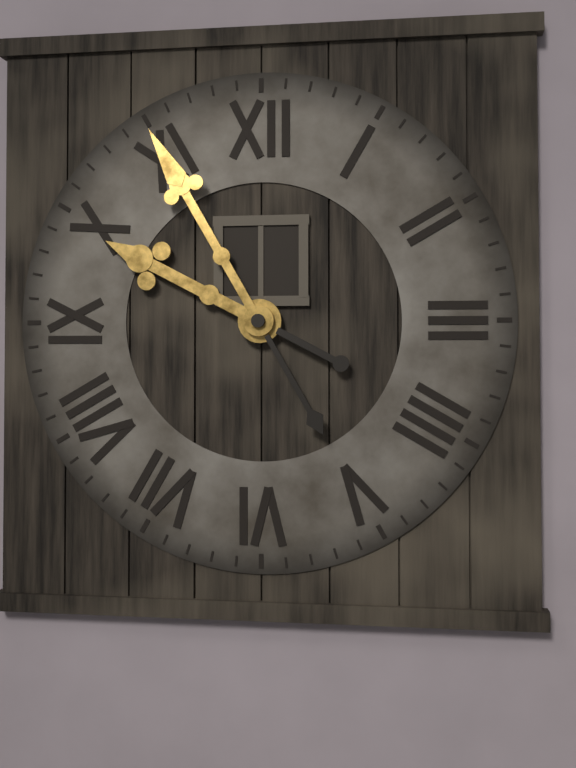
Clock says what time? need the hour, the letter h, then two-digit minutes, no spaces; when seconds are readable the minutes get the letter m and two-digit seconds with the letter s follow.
9h55
